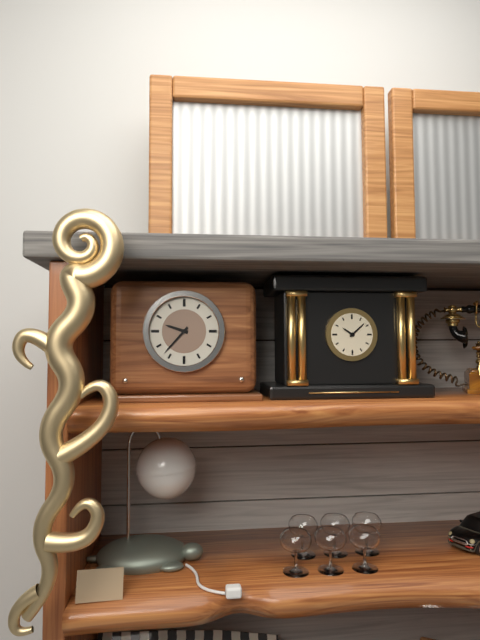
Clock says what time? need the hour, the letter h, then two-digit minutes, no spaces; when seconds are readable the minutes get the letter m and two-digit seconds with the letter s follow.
9h37
